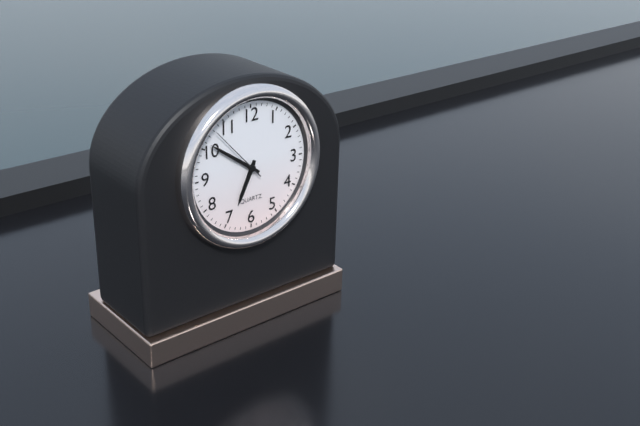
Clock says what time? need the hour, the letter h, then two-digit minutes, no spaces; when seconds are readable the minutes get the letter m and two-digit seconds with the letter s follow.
6h51m53s
